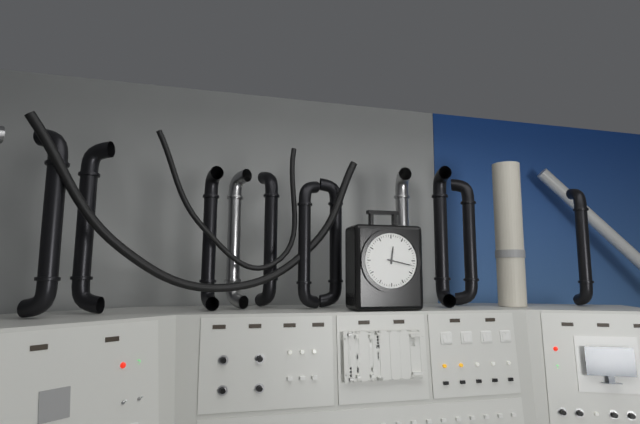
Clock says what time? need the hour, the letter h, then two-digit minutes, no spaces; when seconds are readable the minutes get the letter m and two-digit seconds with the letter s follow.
12h17
